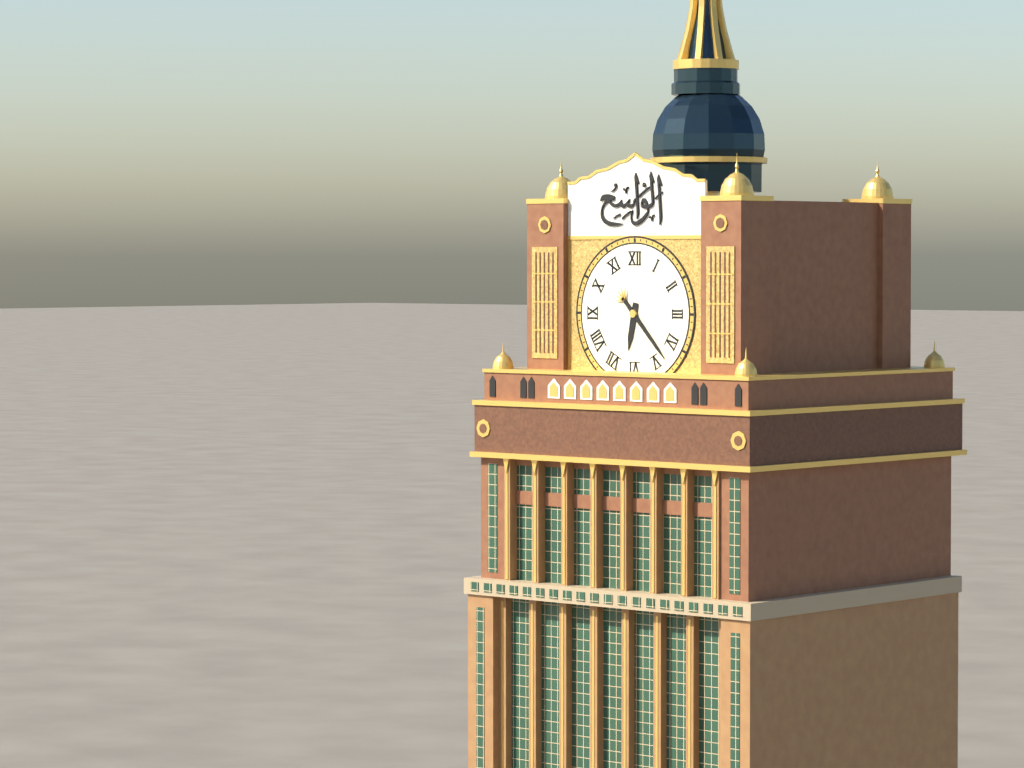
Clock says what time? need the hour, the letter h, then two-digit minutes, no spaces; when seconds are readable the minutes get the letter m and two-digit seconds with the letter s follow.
6h23
